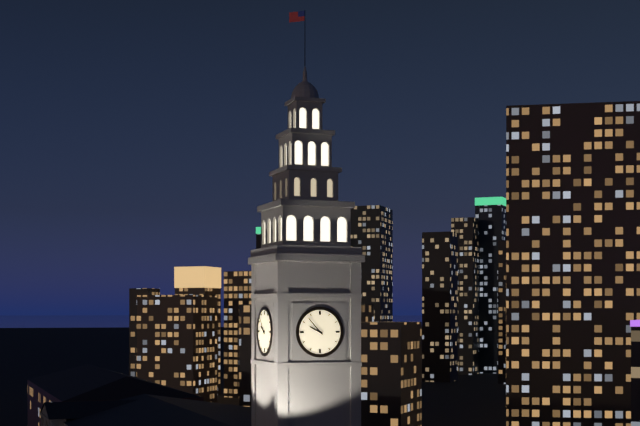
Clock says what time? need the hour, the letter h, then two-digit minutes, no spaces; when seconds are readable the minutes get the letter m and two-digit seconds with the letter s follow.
9h53
